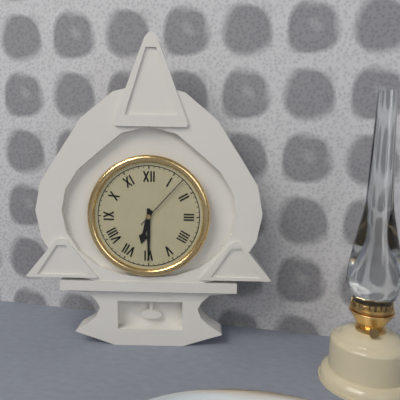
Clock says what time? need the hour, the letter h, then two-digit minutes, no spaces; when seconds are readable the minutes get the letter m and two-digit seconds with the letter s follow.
6h30m07s
